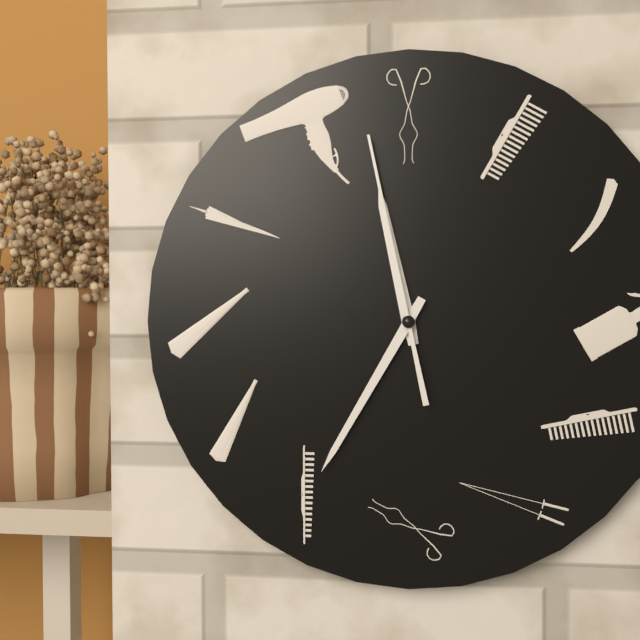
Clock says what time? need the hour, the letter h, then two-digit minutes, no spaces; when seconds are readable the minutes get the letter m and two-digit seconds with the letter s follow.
11h35m58s
